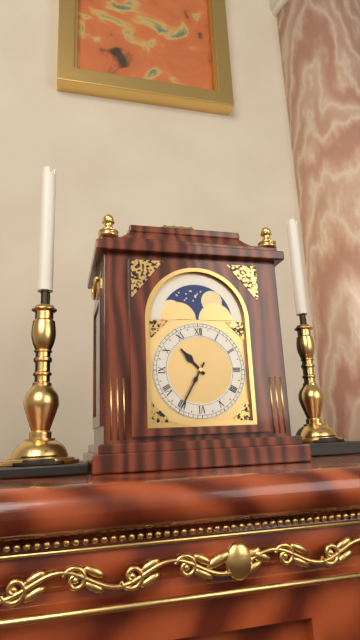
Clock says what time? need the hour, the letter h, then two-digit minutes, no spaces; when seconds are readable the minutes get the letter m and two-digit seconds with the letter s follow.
10h35
